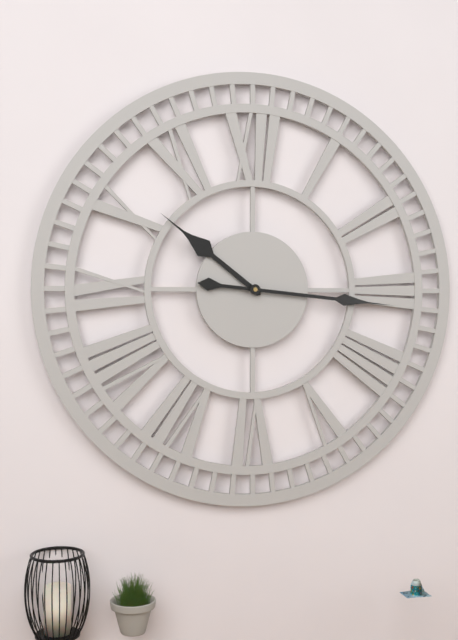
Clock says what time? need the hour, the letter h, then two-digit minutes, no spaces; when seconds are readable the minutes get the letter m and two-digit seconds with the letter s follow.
10h16
